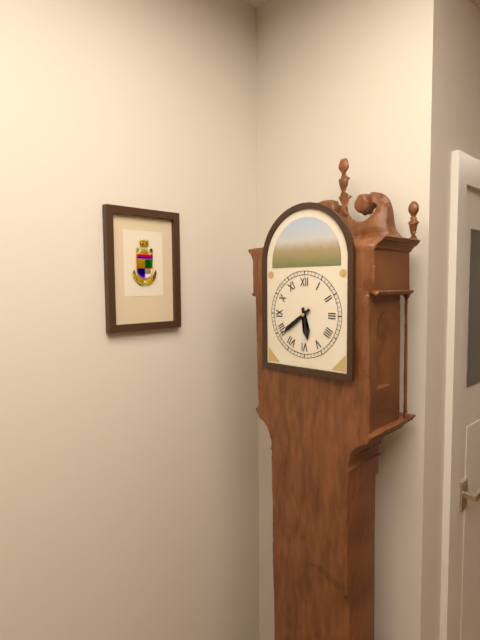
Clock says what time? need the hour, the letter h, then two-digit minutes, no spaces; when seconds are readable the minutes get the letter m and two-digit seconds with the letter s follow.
5h39
